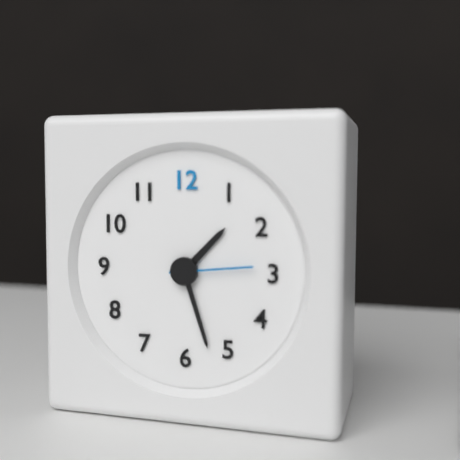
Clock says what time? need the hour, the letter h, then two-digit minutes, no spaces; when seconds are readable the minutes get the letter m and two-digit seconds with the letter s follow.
1h27m14s
